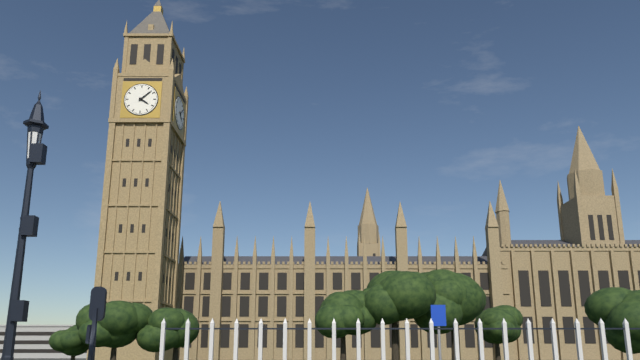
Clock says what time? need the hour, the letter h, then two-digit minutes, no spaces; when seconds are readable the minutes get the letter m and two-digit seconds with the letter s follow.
4h08
